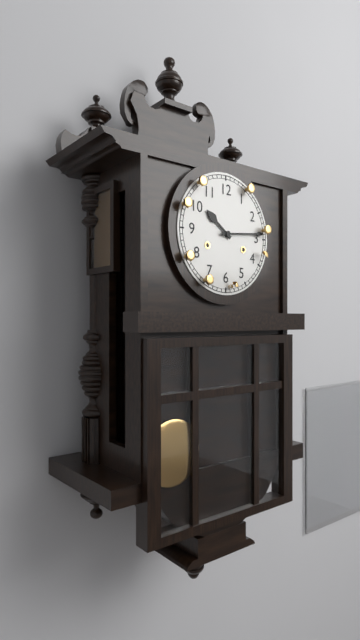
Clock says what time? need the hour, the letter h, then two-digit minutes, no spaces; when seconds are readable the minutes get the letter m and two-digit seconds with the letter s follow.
10h14
